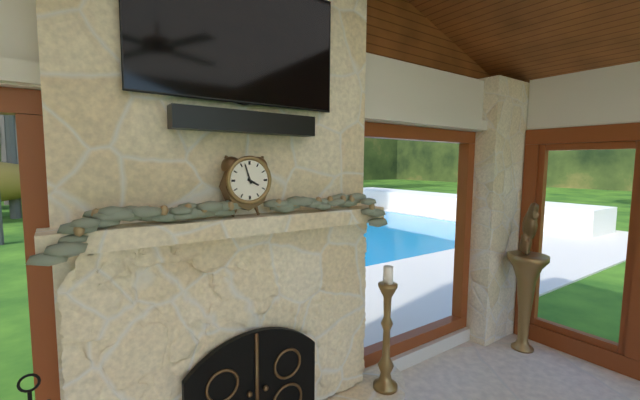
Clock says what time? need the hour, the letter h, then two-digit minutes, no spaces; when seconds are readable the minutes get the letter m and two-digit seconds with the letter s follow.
3h57
